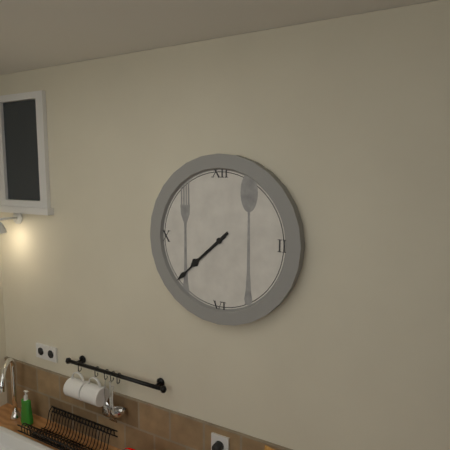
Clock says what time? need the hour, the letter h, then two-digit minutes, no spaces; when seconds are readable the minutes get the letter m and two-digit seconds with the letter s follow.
7h38
